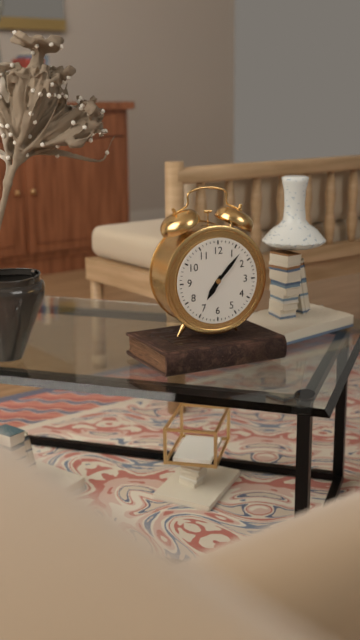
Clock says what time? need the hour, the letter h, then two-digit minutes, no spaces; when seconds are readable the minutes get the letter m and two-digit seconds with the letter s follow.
7h07
